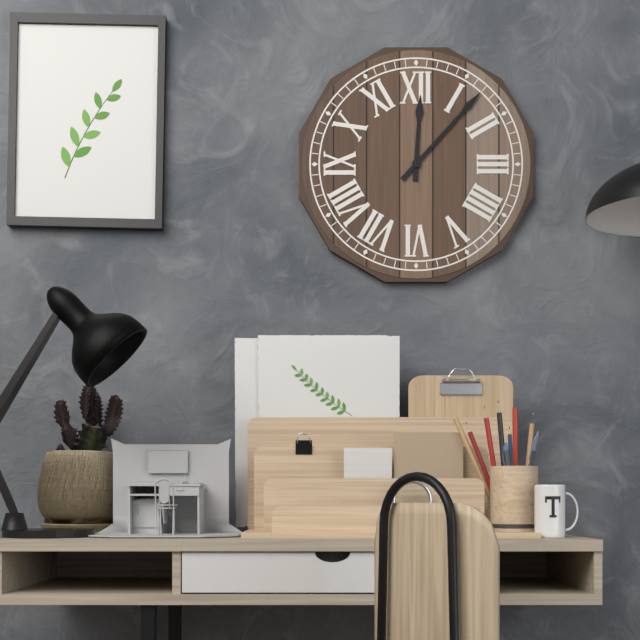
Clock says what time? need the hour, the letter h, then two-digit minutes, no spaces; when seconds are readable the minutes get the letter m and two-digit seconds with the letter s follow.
12h07
